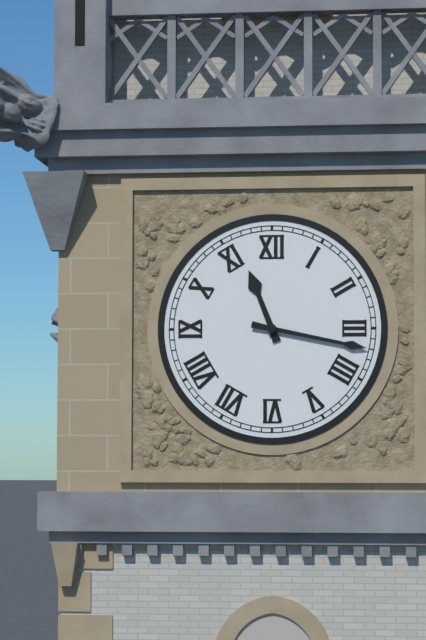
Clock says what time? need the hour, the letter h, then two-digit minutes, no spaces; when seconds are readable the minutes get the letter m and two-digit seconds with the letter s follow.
11h17
